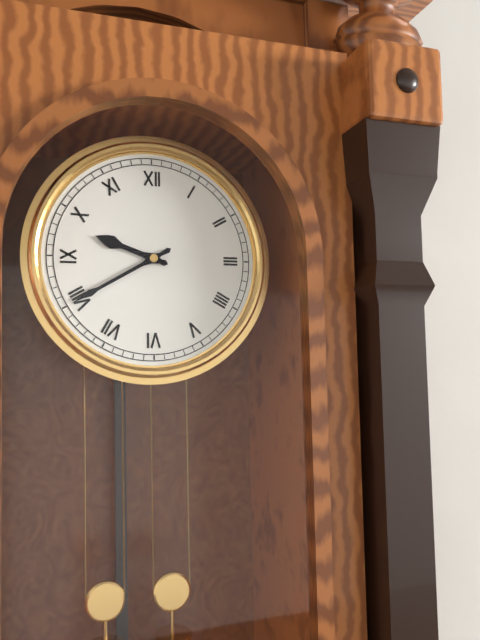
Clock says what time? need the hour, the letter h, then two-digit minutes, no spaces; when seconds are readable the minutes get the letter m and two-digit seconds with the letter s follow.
9h40
